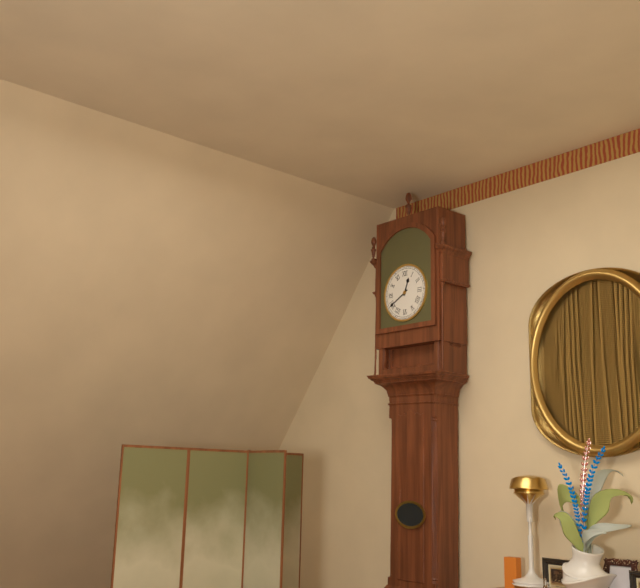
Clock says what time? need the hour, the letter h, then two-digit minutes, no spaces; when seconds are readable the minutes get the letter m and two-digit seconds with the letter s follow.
12h40
